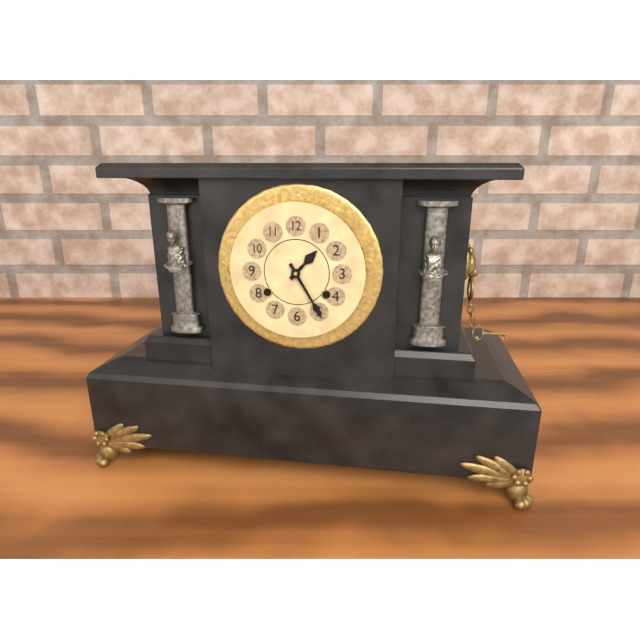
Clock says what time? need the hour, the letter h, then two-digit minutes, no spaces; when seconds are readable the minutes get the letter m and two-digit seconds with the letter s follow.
1h25
